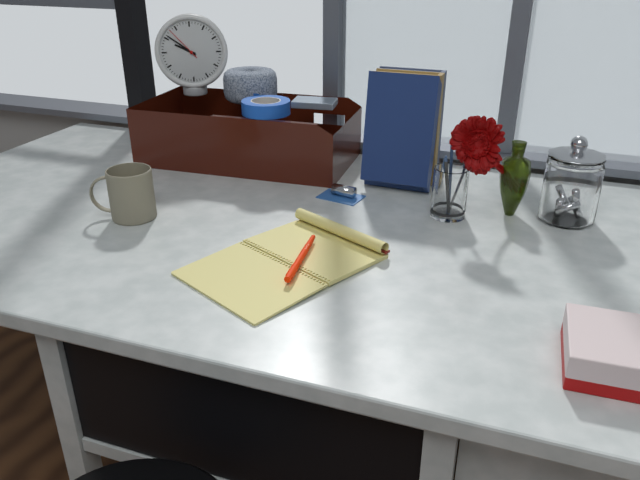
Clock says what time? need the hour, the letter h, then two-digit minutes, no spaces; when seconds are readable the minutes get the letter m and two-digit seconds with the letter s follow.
9h51
